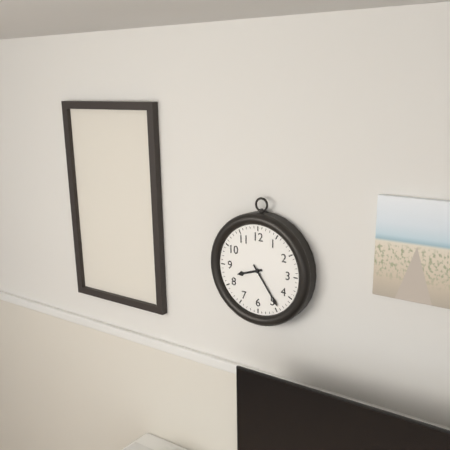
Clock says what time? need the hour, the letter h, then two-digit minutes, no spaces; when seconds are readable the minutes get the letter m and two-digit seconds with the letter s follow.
8h24
